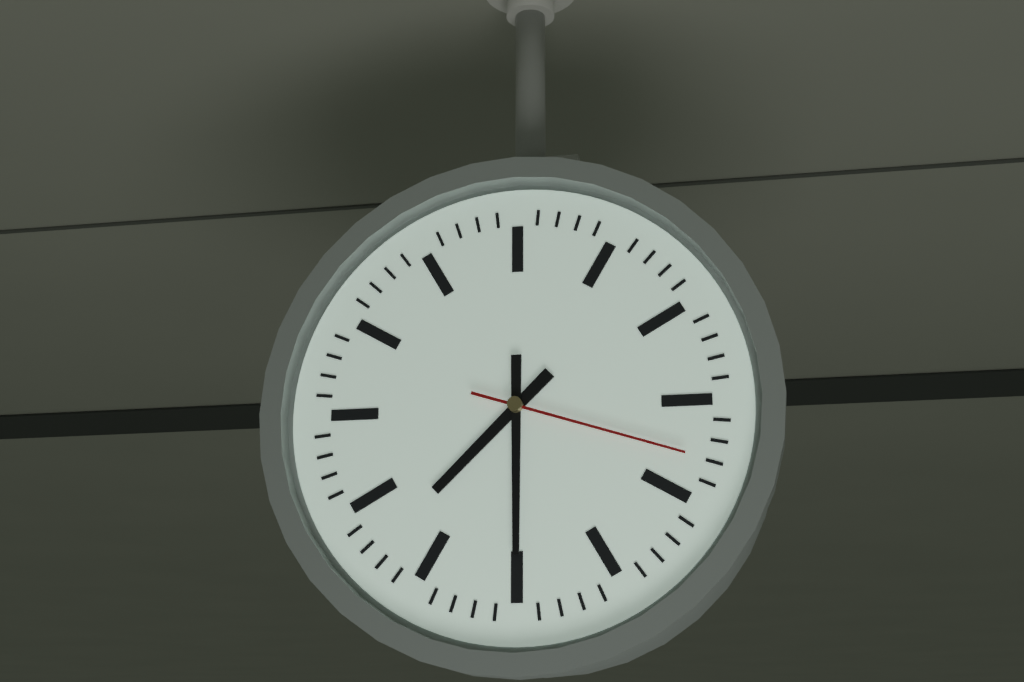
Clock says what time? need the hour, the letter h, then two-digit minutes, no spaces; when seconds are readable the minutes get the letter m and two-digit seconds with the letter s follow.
7h30m18s
